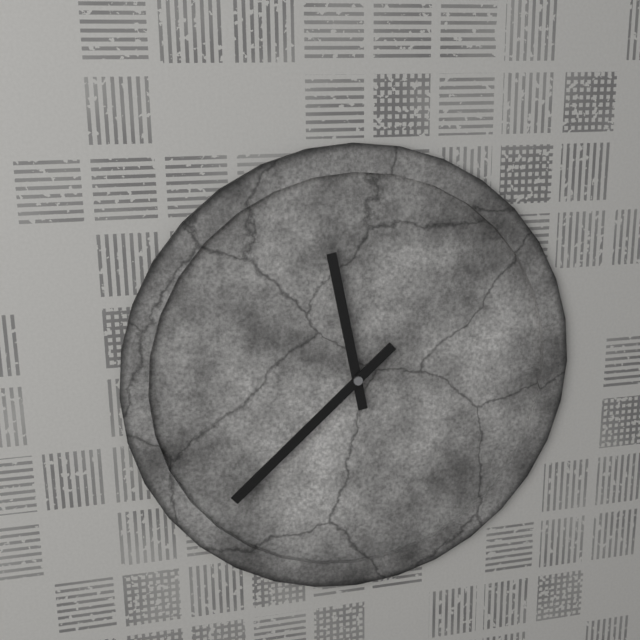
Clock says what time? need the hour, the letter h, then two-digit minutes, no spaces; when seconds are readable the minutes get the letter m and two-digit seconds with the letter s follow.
11h38
